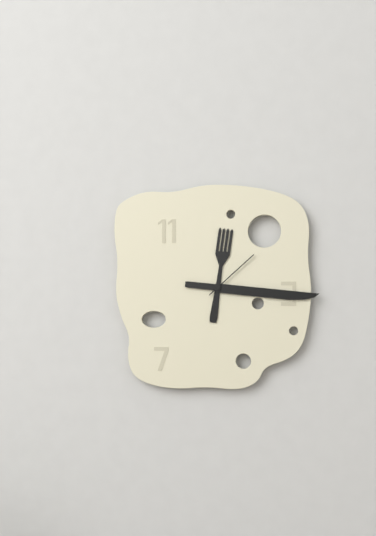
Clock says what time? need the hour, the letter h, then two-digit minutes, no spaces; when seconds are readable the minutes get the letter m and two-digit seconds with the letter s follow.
12h16m08s
